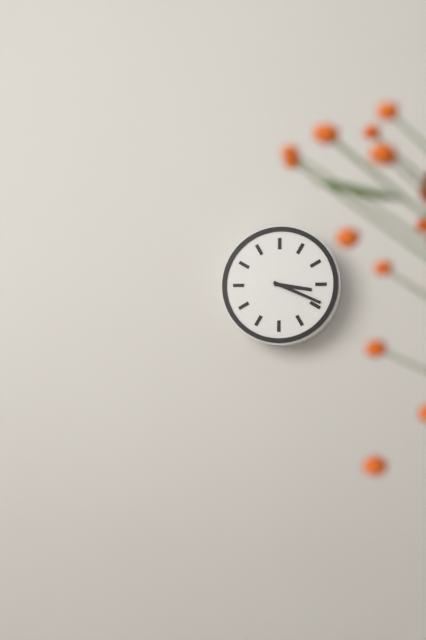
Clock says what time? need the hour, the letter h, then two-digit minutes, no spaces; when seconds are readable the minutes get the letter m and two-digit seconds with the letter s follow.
3h19
